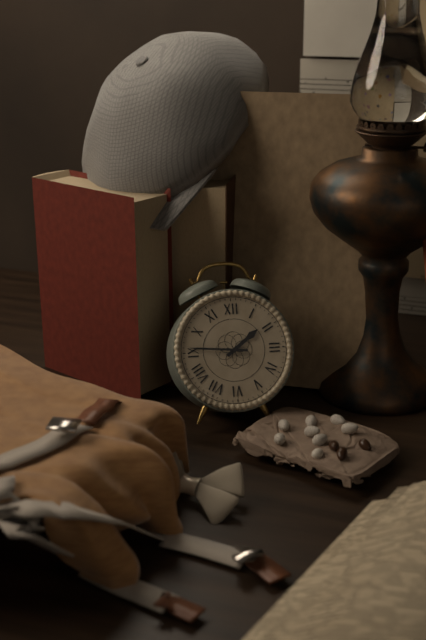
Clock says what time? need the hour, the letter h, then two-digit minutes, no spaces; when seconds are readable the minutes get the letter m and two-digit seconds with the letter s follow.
1h46
